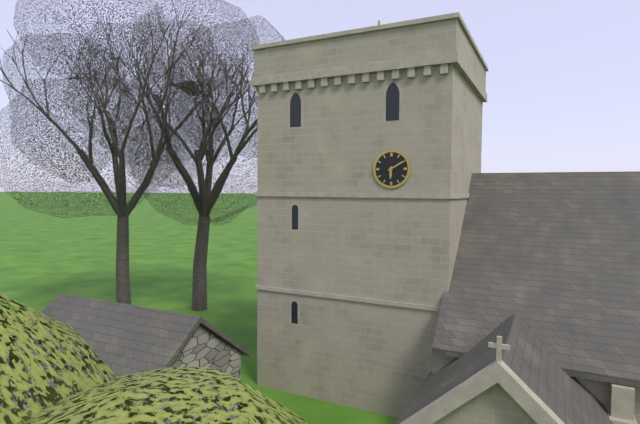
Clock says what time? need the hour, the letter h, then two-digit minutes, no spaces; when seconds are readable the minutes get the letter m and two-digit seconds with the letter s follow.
6h10
